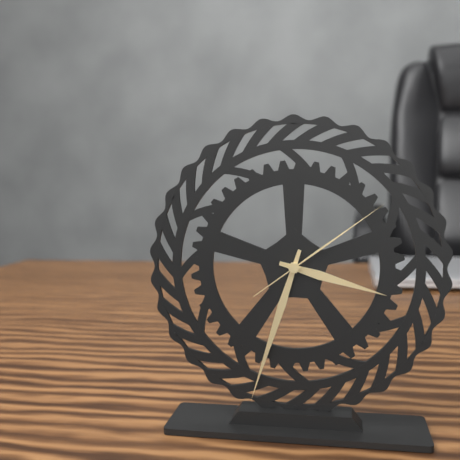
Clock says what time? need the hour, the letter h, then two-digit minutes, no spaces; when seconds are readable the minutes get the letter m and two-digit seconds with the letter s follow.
3h33m09s
